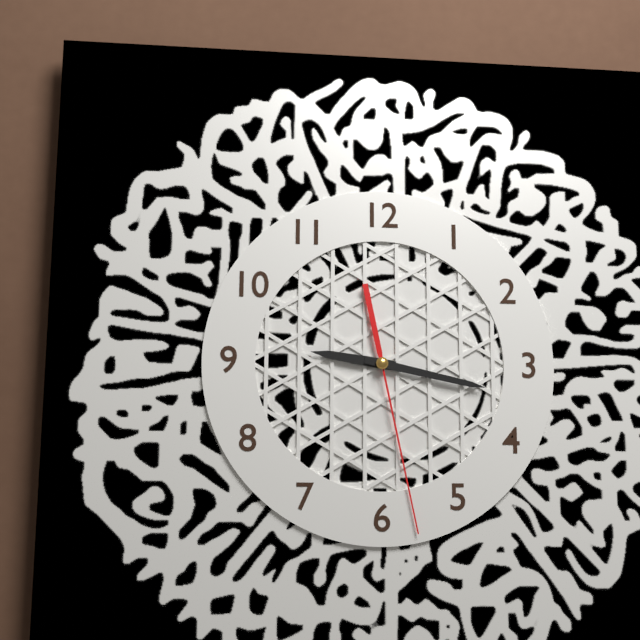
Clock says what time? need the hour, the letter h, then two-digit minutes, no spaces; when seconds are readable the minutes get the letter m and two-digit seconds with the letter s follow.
9h17m28s
